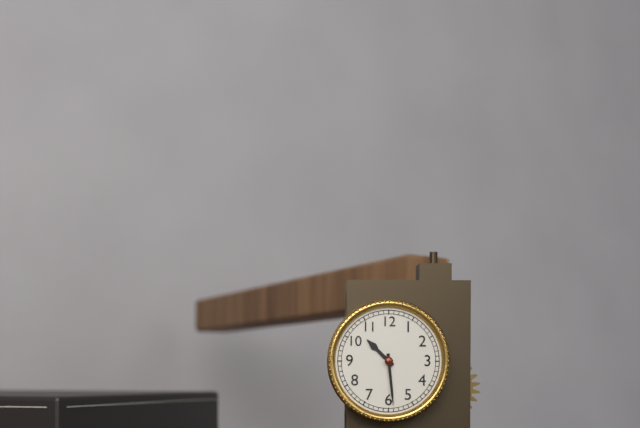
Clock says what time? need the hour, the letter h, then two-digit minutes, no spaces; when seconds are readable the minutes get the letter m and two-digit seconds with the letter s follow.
10h29
